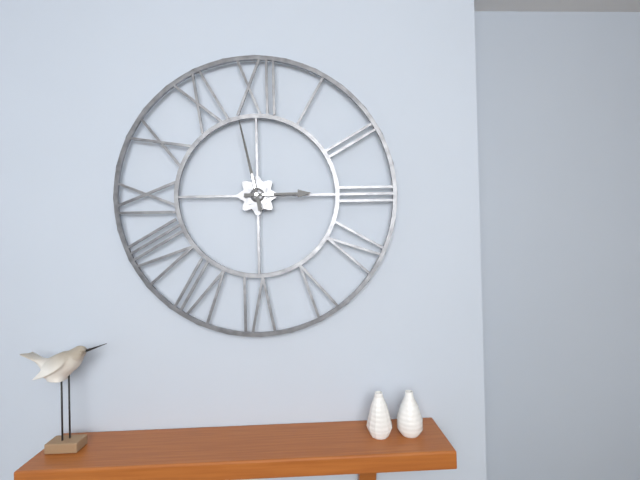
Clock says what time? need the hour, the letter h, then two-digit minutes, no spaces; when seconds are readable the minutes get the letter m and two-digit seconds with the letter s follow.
2h58
